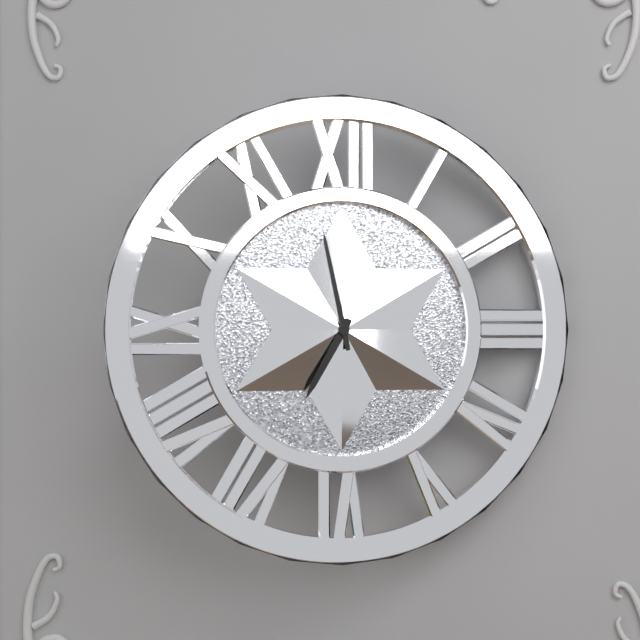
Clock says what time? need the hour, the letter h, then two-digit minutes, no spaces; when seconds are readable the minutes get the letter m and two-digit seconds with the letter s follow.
6h58
